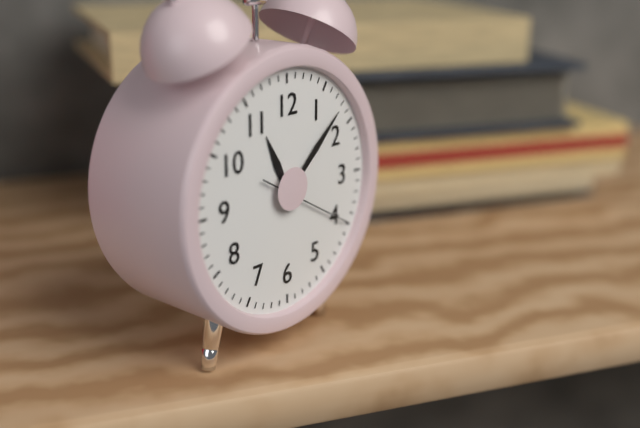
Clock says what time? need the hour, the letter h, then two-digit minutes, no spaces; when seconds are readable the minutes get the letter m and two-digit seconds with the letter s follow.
11h08m20s
